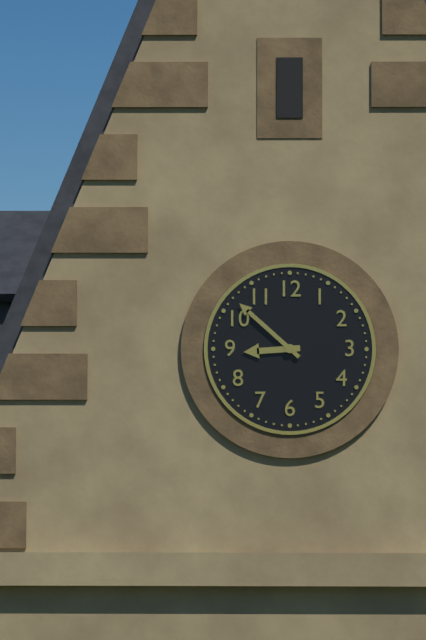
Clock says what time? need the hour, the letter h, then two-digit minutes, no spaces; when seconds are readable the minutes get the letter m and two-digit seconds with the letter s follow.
8h52
